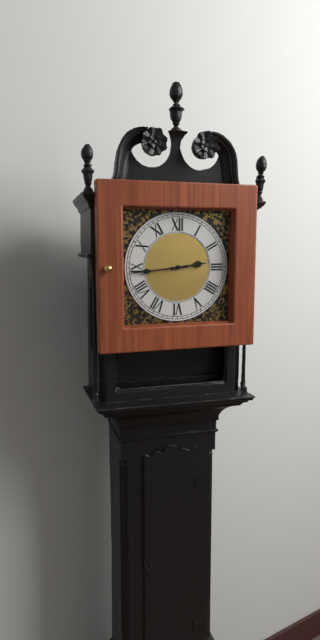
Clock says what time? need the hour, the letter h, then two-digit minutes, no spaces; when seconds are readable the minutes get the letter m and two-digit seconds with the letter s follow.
2h44
